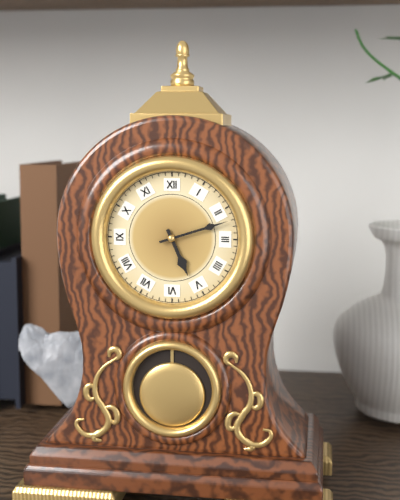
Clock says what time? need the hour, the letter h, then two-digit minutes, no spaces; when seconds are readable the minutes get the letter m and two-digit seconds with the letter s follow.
5h12
